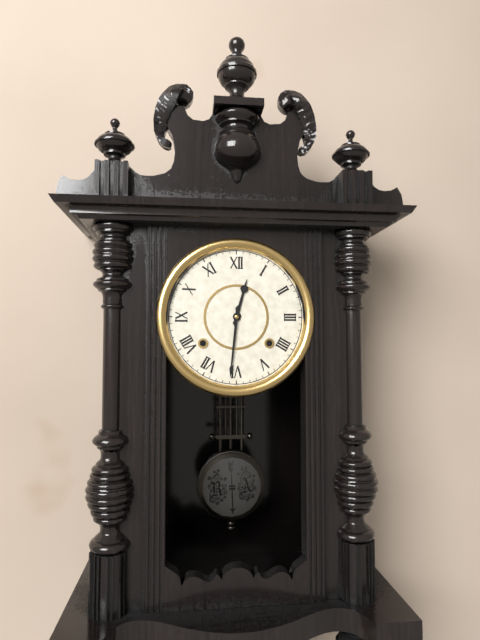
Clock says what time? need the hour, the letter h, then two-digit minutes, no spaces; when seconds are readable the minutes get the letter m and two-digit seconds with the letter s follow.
12h31
